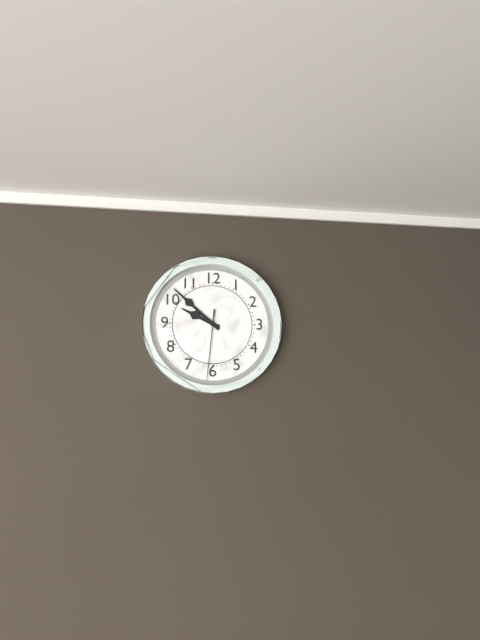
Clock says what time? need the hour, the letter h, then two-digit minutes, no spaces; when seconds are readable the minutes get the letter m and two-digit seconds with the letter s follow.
9h52m31s
